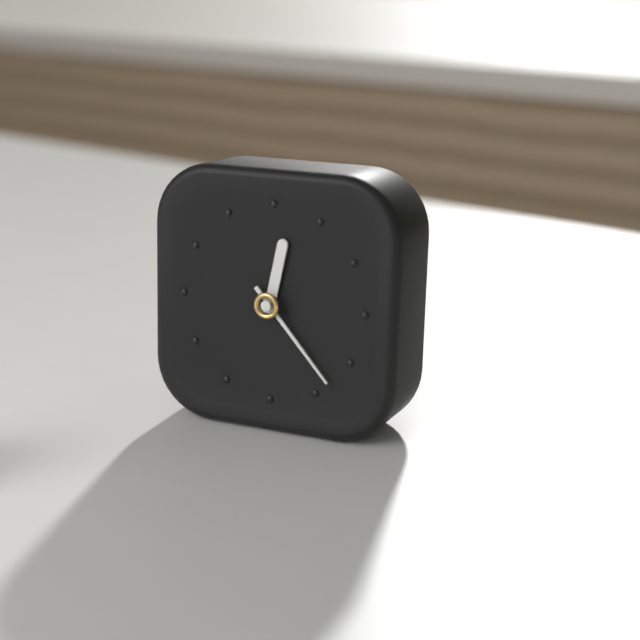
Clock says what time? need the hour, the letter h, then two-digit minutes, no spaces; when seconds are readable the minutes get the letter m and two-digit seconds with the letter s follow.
12h23
